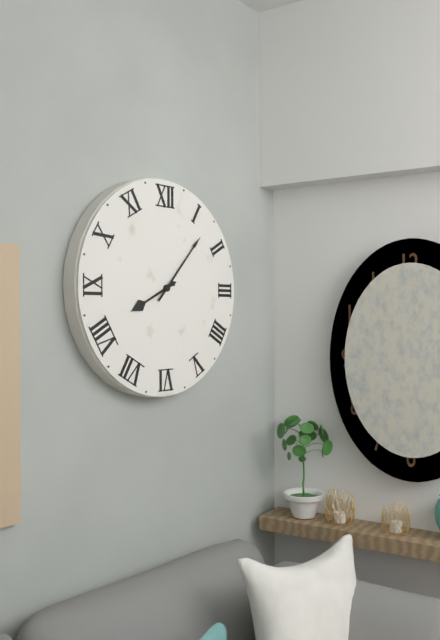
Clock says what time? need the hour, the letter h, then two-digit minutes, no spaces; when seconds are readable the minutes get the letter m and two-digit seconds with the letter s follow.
8h07
